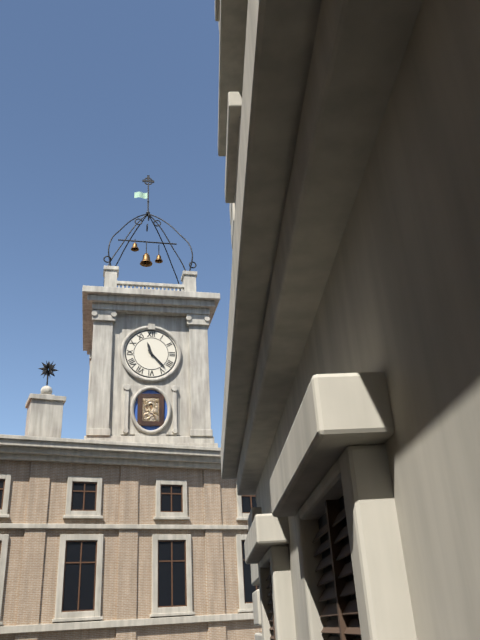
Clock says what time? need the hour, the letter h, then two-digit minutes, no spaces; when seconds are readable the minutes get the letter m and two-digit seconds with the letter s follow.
11h23
